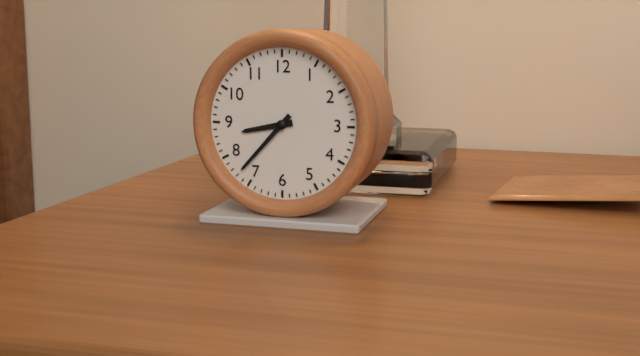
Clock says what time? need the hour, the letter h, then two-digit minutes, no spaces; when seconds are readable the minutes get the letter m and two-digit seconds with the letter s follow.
8h37
